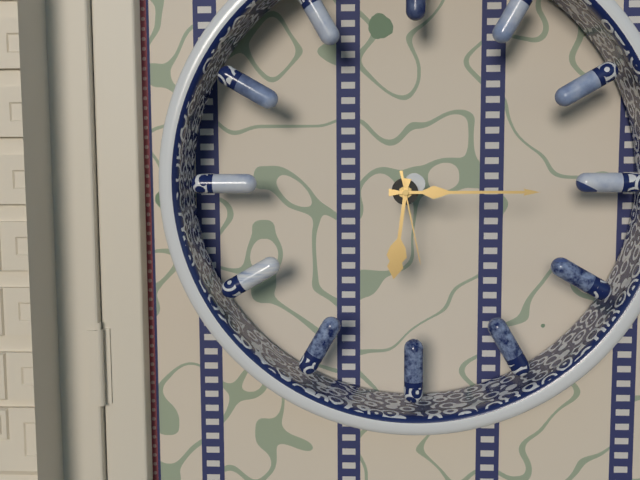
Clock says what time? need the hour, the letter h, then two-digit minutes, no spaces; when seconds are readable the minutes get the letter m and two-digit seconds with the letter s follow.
6h15m28s
